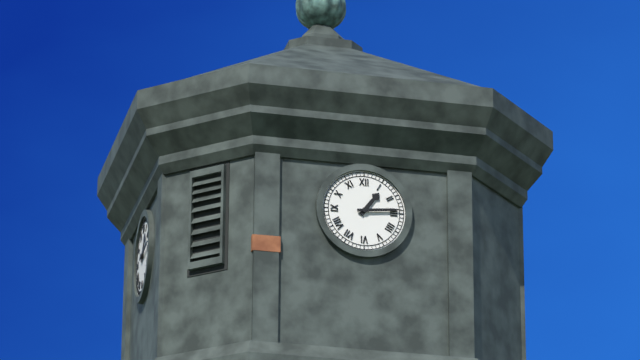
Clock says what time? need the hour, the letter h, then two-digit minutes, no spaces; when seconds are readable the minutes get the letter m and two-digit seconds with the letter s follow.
1h14
